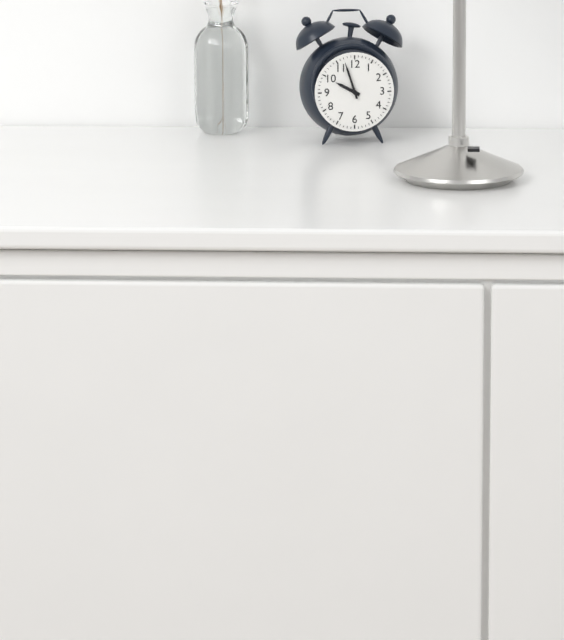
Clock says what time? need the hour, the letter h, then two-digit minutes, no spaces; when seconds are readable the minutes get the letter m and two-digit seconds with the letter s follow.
9h57
